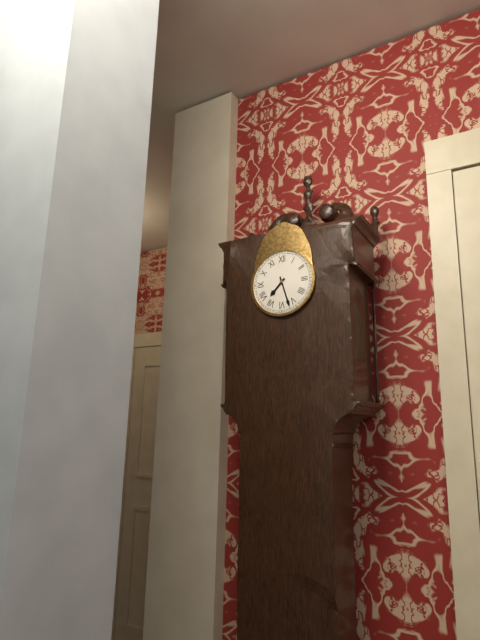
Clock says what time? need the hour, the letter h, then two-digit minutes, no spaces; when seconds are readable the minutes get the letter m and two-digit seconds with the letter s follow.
7h27
